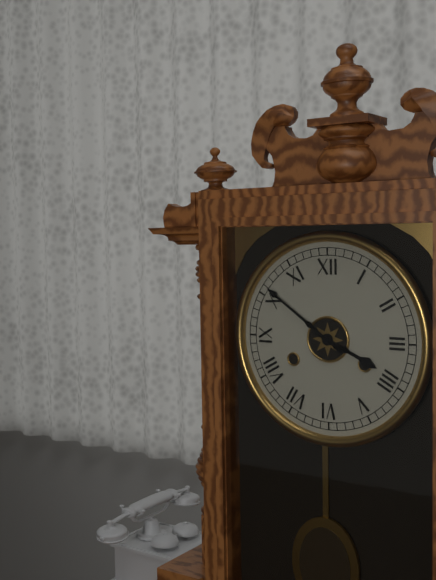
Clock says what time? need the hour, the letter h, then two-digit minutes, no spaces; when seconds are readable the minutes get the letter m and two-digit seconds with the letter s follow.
3h51
